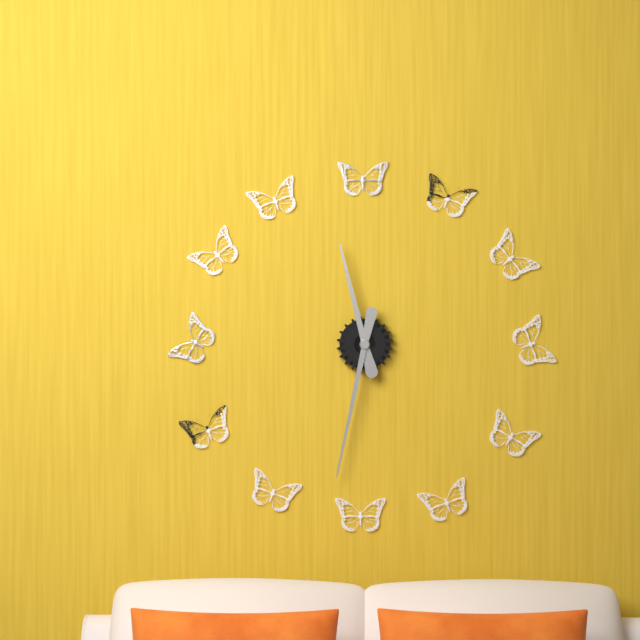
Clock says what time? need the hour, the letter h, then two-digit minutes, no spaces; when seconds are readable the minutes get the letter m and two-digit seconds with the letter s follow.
11h32
